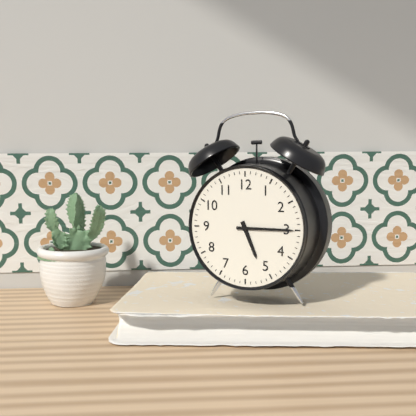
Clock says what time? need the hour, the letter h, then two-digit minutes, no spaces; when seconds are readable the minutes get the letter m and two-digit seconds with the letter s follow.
5h15
